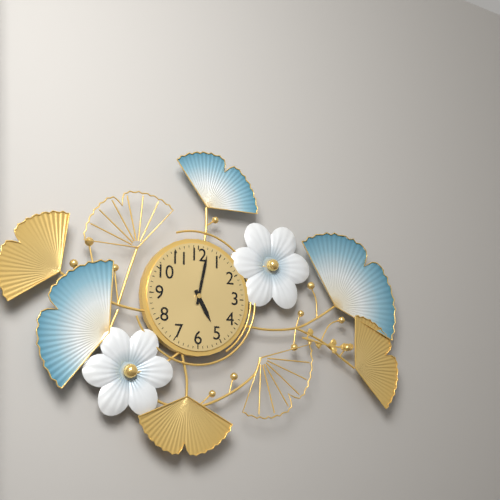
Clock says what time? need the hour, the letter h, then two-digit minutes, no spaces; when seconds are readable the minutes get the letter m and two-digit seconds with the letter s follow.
5h02
